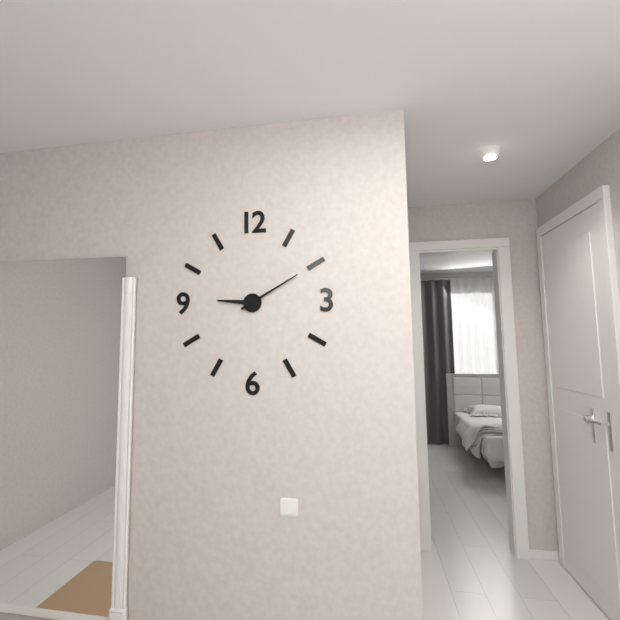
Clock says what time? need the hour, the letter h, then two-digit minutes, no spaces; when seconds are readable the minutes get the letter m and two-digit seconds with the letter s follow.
9h10
